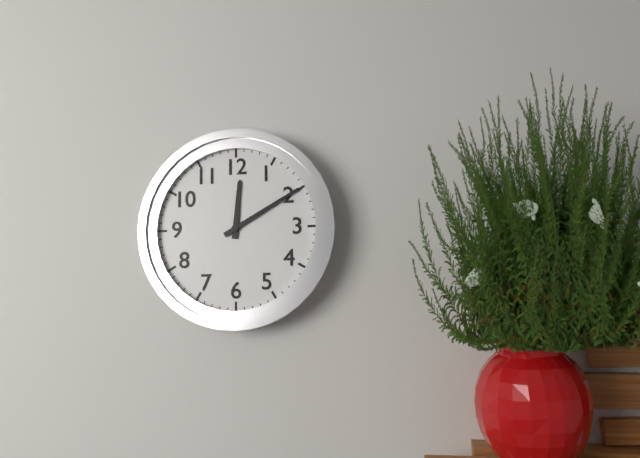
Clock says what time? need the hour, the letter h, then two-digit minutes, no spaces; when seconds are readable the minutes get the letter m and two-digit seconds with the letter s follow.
12h10
